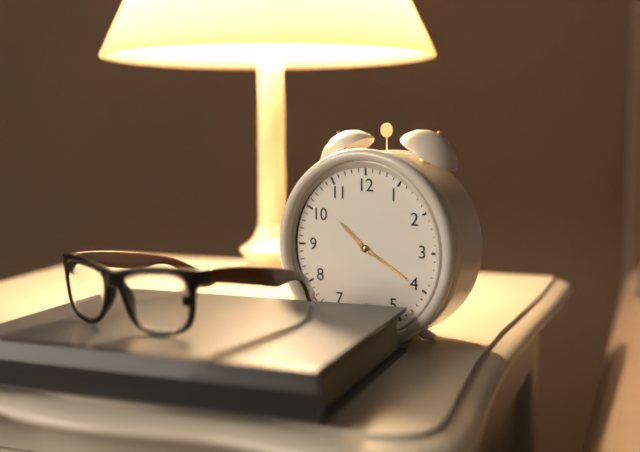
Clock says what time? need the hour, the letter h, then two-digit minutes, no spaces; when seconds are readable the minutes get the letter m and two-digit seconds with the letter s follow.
10h20
